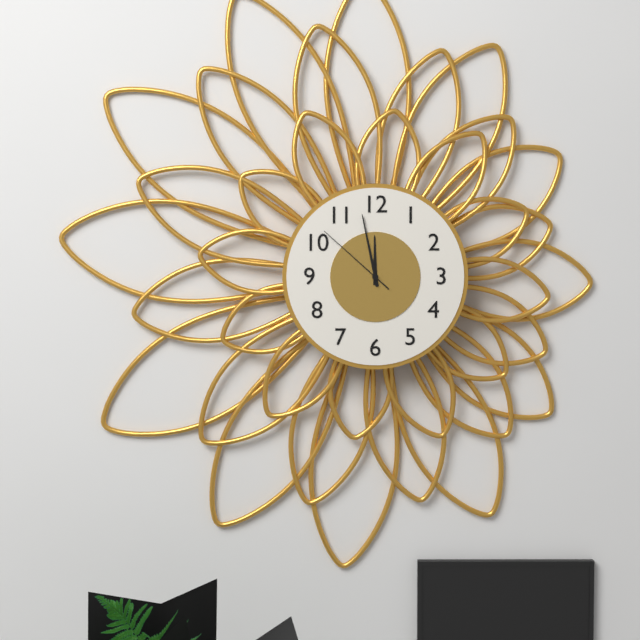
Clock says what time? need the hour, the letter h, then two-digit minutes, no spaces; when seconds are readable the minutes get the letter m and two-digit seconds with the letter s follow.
11h58m52s
